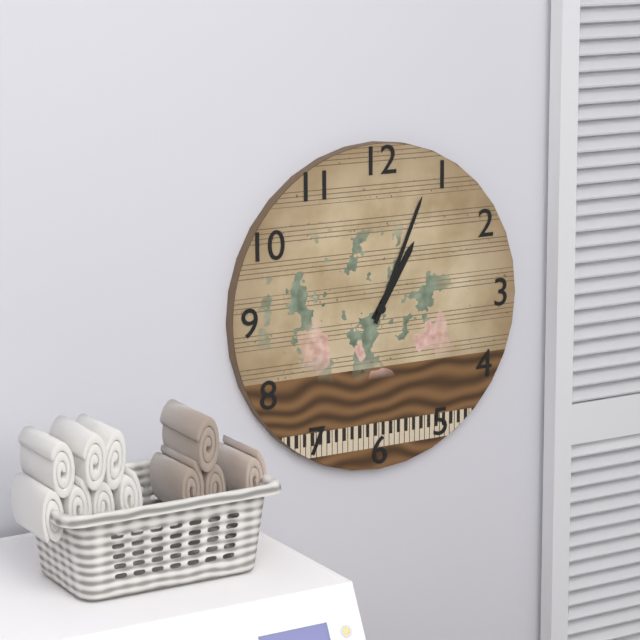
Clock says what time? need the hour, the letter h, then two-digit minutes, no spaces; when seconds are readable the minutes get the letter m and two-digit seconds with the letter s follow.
1h04
